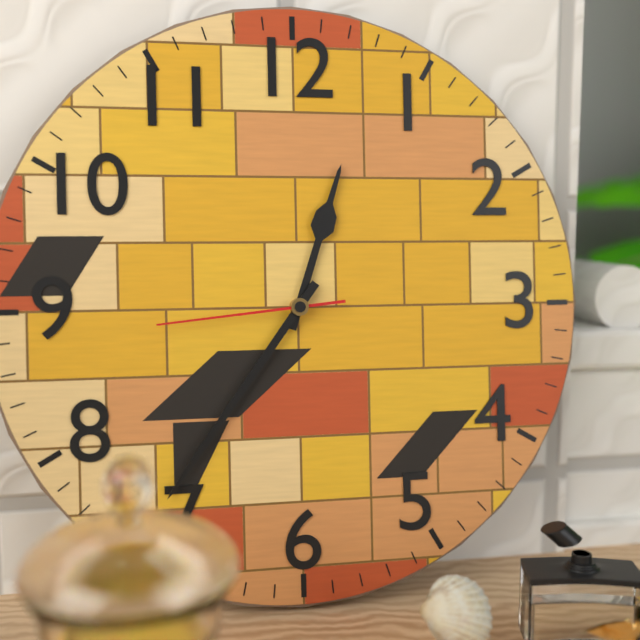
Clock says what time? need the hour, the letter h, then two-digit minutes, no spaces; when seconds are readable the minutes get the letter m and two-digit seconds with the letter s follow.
12h36m44s
